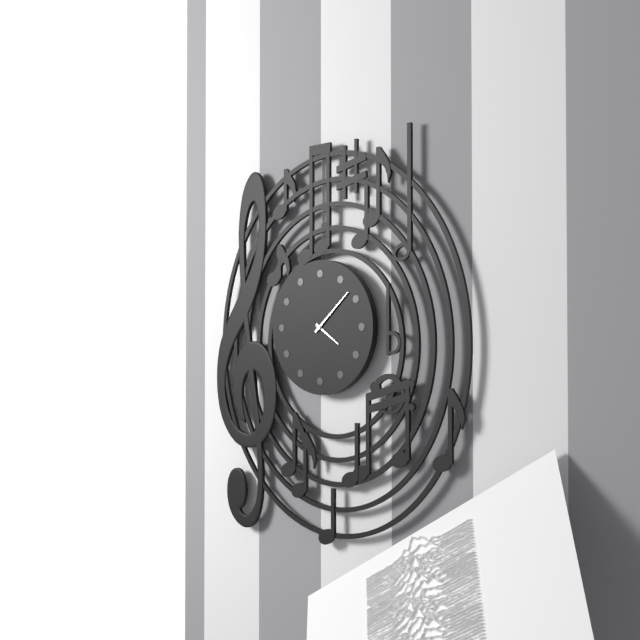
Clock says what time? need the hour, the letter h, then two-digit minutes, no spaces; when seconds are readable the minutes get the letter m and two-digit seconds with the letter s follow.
4h08
